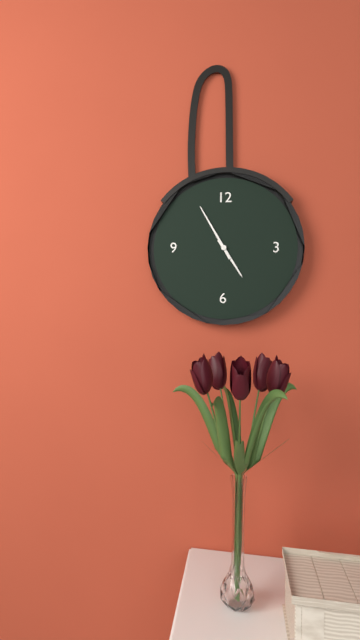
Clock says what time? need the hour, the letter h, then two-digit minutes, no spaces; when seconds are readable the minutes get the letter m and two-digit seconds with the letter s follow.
4h55
